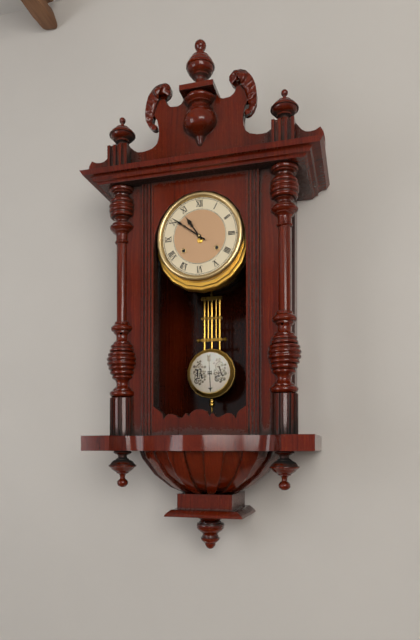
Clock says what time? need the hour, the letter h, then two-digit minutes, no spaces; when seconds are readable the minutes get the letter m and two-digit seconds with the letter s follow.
10h51
